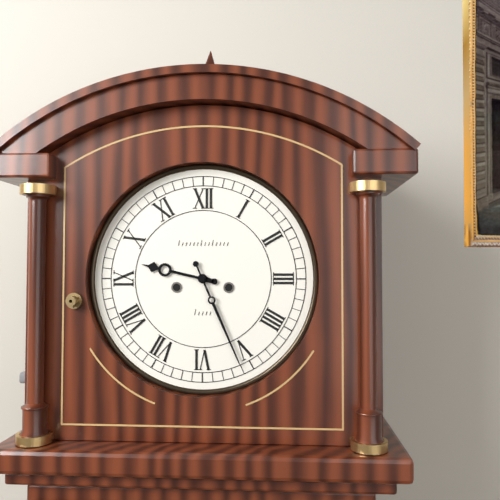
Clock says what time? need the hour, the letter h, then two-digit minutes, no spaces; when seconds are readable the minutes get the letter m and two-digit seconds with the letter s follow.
9h26
